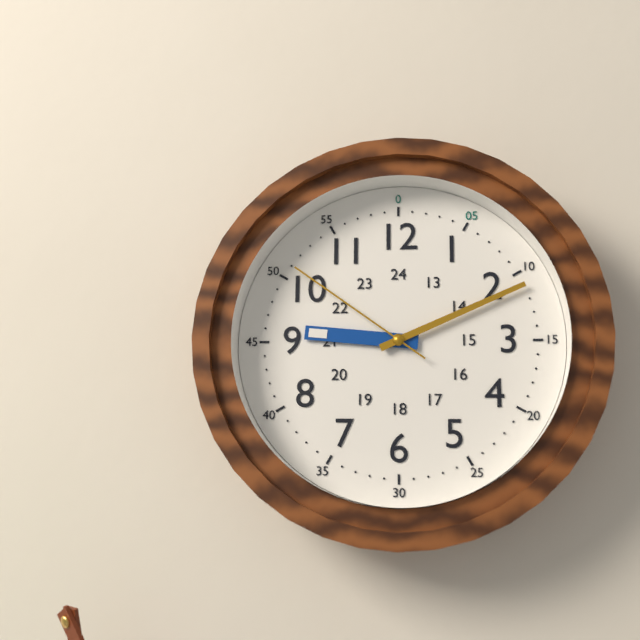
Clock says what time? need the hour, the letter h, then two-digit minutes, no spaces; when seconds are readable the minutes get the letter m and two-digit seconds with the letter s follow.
9h11m51s
